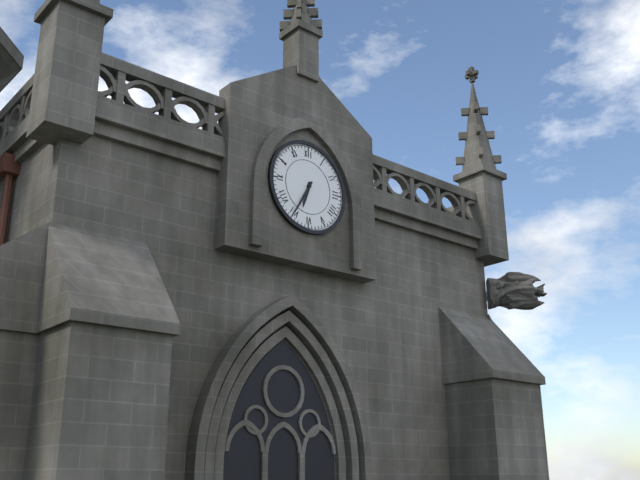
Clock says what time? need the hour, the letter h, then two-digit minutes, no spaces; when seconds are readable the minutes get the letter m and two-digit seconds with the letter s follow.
6h35
